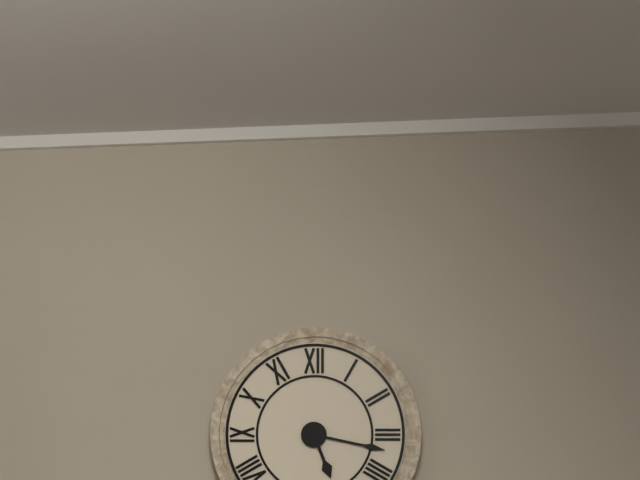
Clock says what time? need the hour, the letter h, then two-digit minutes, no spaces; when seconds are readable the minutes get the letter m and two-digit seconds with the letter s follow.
5h17
